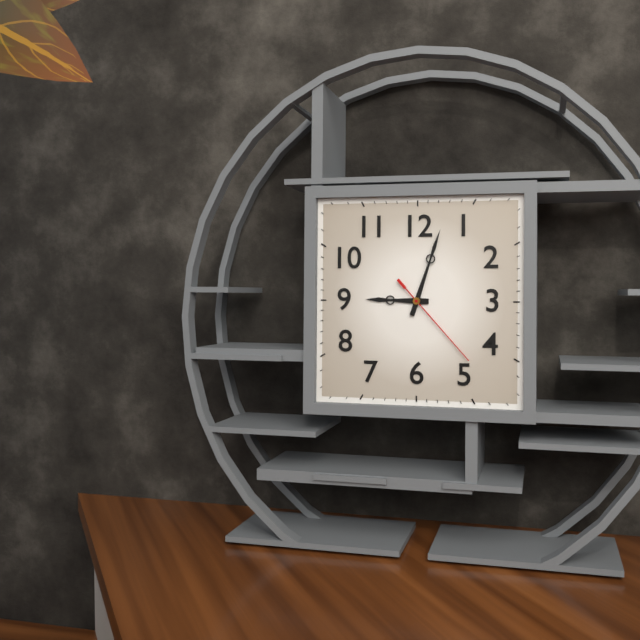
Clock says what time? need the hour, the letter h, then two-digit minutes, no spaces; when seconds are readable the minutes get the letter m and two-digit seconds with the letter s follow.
9h03m23s
